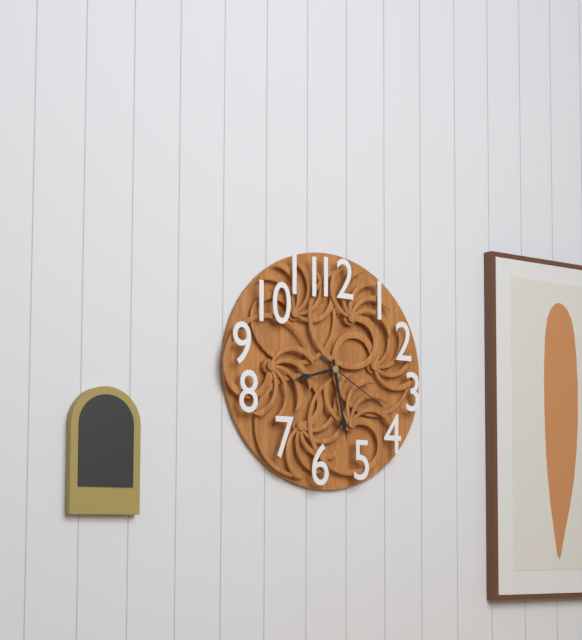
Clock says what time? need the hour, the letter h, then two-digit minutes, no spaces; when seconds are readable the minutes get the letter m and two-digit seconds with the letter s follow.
8h28m20s
